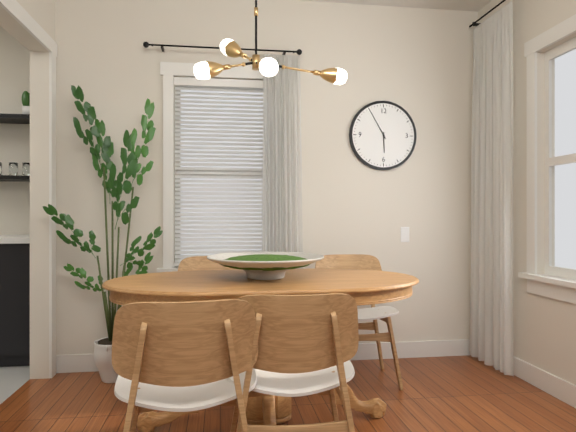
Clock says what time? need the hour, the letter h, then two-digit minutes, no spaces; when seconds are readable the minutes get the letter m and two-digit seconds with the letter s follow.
5h55
